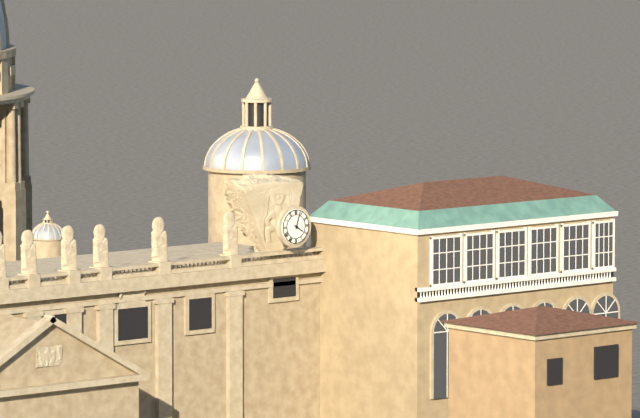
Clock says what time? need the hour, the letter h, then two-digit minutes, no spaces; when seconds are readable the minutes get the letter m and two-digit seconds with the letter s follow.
4h03
